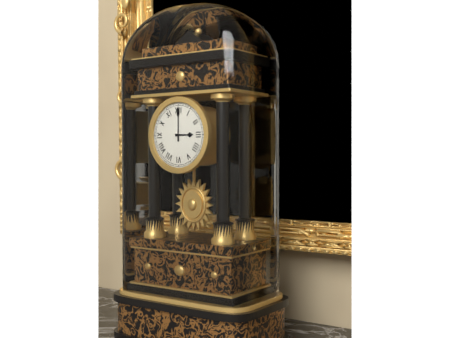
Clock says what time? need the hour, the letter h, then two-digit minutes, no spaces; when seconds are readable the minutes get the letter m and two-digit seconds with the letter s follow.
3h00
